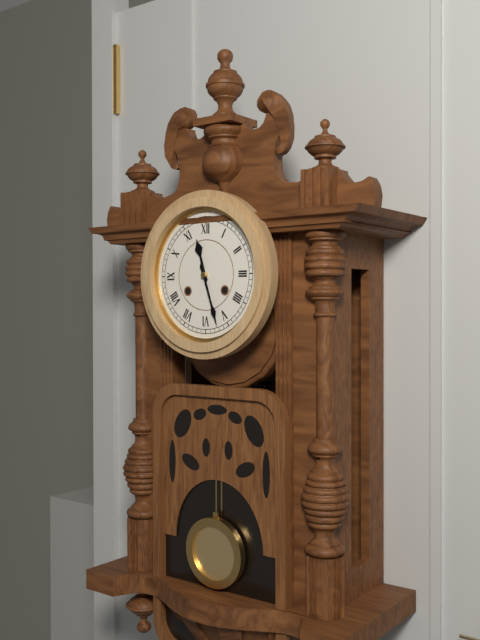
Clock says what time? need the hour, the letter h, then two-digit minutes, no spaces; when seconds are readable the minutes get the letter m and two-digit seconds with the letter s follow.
11h27
